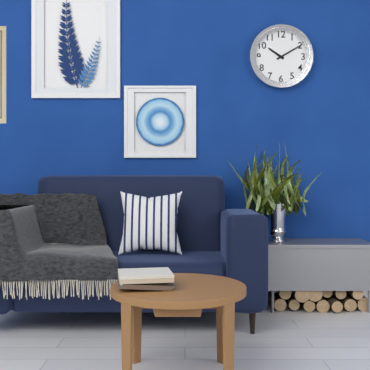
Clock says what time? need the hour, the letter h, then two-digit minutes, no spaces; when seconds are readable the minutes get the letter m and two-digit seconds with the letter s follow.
10h10
